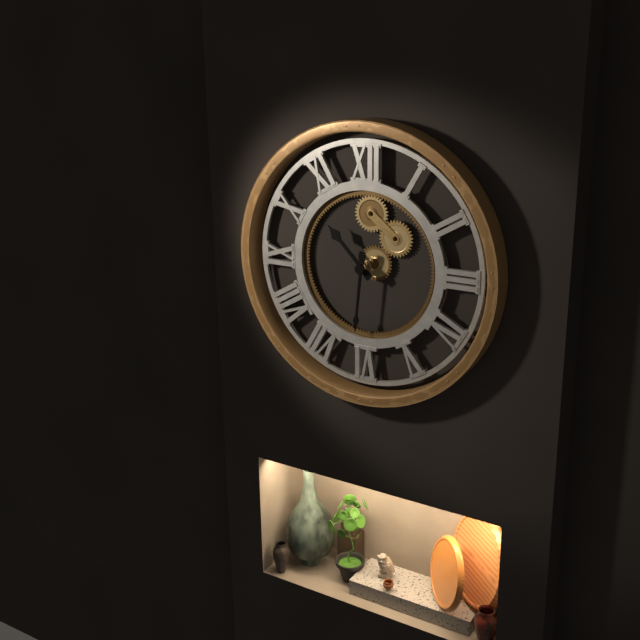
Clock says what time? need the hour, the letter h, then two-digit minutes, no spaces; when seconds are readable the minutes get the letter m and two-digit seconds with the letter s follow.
10h31
